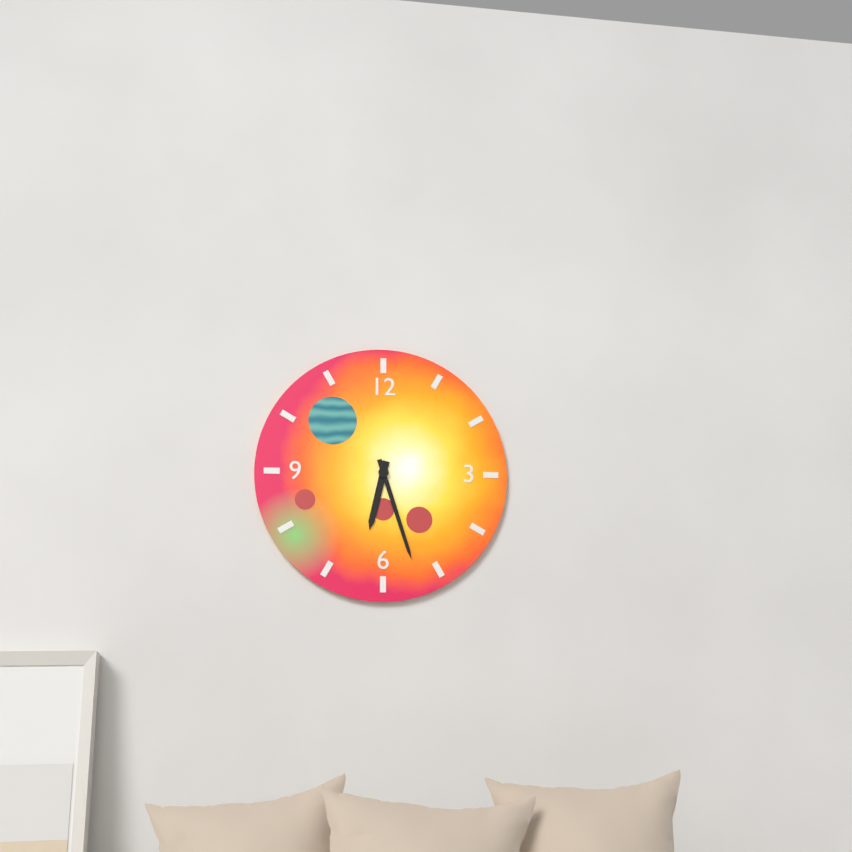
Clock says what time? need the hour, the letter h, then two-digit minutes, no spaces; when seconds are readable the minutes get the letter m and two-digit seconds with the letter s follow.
6h27
